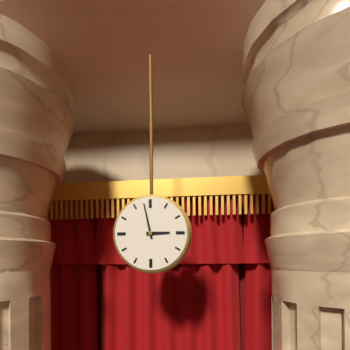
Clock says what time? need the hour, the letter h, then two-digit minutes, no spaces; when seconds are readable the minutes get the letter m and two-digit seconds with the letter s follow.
2h58
